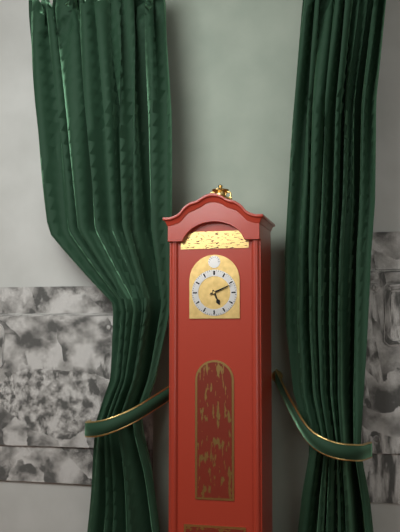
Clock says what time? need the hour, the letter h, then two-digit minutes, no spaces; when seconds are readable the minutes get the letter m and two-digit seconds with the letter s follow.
5h11
